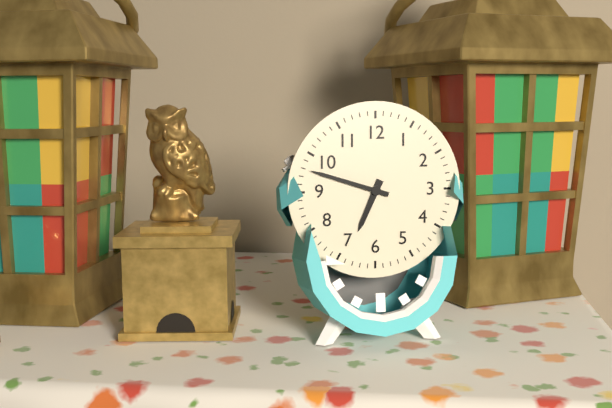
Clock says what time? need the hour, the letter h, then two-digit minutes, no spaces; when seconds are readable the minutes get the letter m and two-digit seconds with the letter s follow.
6h48
